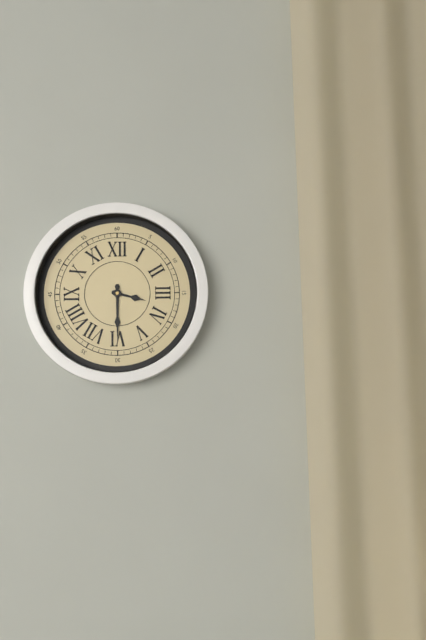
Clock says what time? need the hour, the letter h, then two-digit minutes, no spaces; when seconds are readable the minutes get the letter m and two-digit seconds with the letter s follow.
3h30
